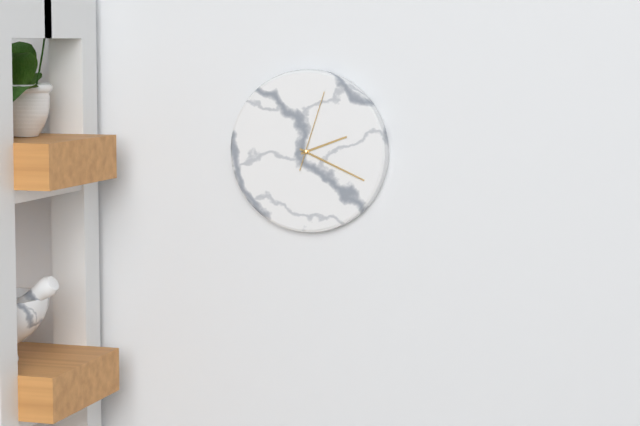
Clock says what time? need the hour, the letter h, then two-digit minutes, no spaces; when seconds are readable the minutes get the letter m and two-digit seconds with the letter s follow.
2h19m03s
